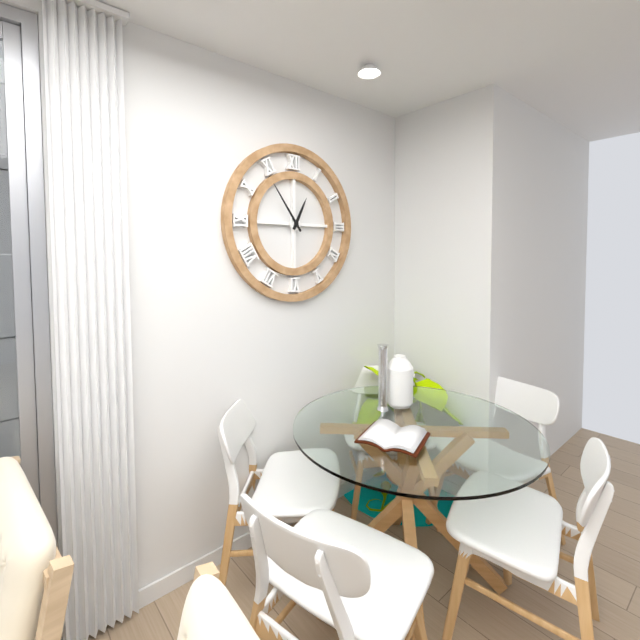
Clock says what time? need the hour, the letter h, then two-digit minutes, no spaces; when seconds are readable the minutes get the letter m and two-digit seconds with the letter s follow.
12h54
